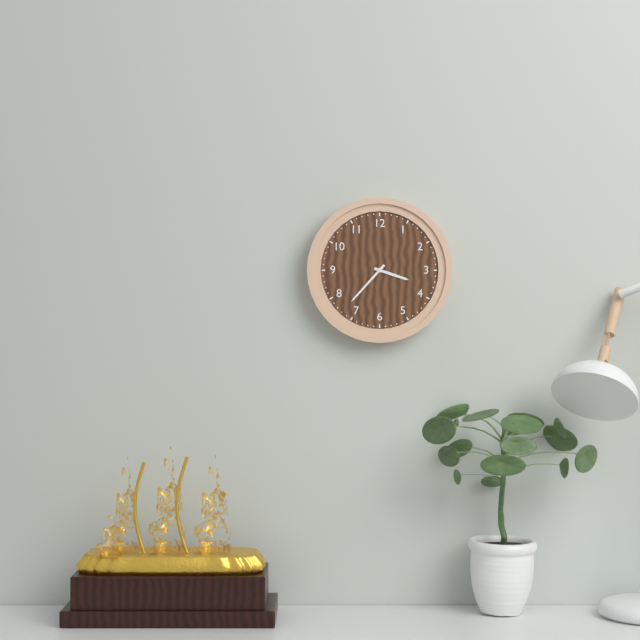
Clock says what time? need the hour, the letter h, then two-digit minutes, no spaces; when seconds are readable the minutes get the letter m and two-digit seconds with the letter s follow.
3h37
